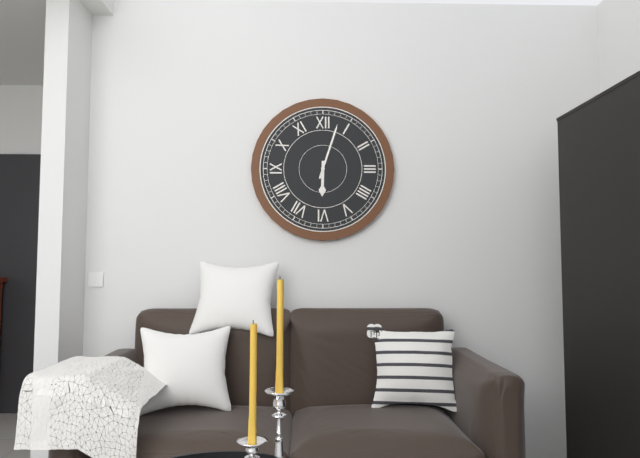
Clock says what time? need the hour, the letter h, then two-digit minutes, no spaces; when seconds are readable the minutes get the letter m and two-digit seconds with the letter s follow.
6h03
